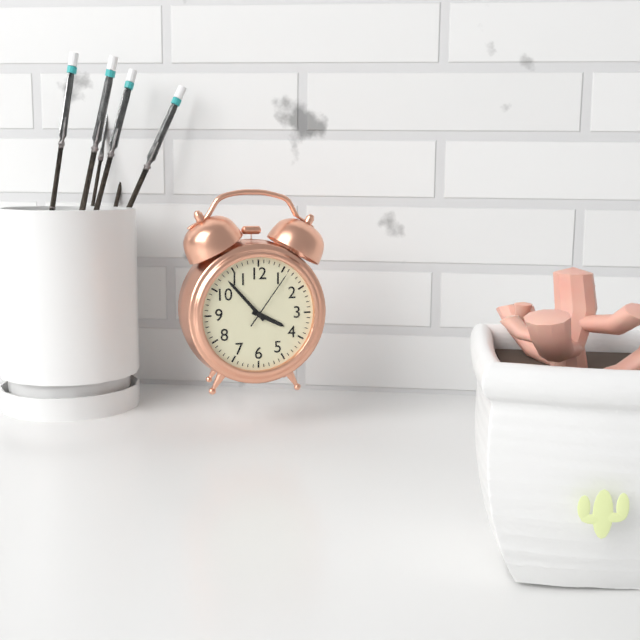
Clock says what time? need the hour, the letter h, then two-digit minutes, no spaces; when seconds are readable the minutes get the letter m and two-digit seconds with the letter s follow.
3h53m06s
